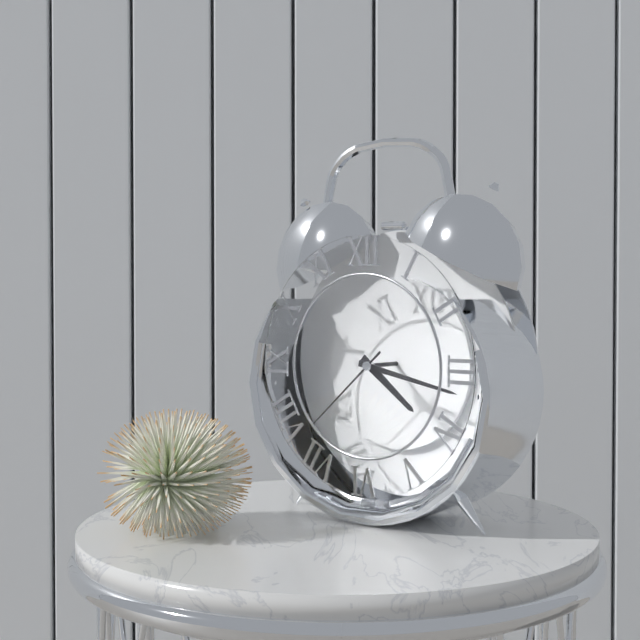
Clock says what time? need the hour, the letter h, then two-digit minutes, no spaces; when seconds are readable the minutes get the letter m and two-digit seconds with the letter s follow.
4h17m38s
